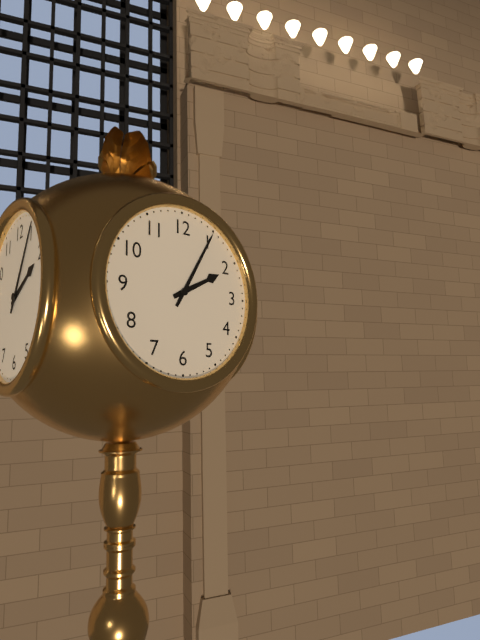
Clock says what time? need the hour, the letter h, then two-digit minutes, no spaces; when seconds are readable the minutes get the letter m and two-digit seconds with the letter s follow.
2h05
